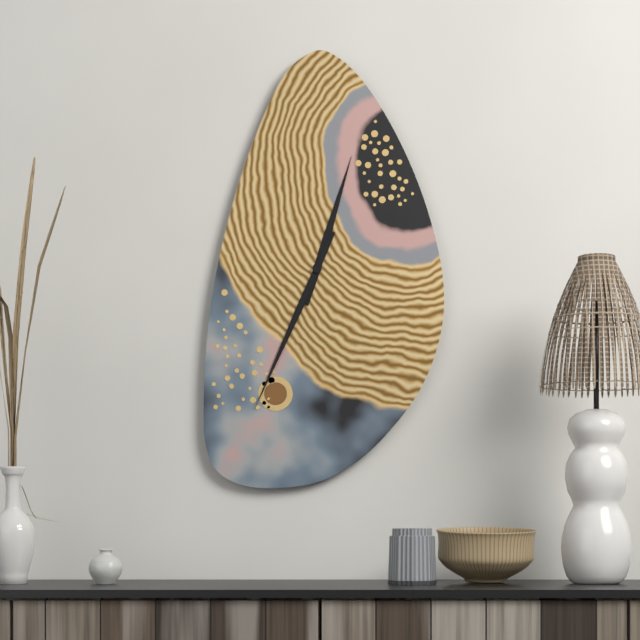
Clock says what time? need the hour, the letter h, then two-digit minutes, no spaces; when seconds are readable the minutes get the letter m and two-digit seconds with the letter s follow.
12h34
